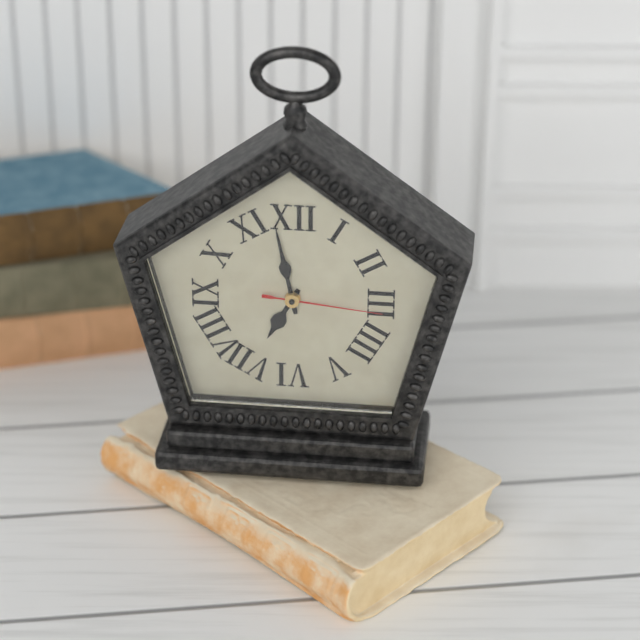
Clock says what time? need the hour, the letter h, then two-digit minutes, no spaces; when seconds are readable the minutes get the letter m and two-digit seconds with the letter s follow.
6h58m16s
